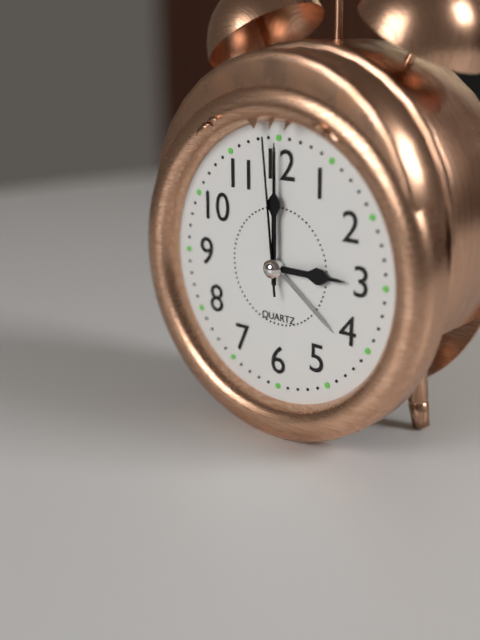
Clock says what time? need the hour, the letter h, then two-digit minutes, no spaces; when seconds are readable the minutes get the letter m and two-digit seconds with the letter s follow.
3h00m59s
